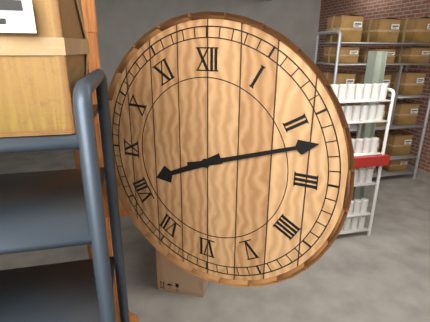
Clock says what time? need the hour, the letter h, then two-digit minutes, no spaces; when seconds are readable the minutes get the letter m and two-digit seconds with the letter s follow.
8h12
